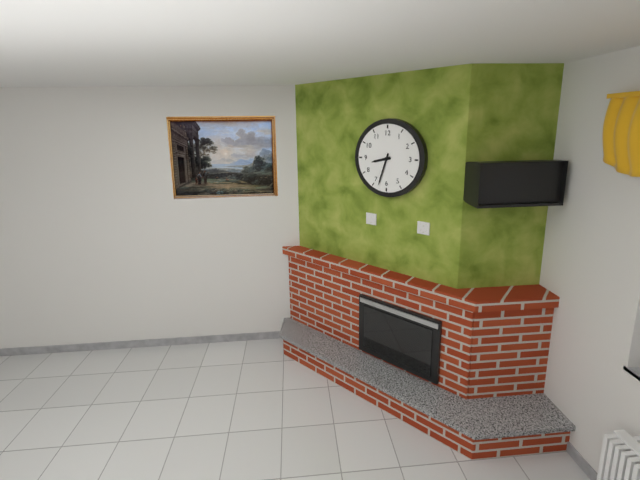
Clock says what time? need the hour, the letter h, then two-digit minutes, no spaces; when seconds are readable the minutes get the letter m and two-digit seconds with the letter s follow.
8h33
